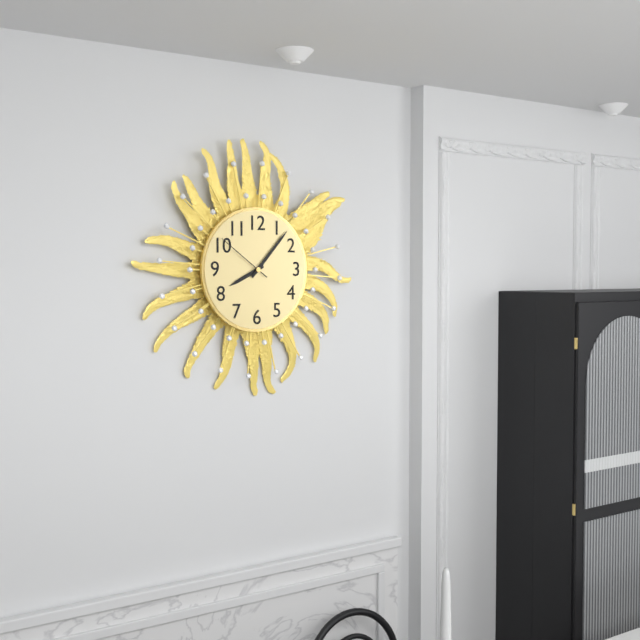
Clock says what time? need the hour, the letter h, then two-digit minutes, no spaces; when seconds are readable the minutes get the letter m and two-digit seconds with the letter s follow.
8h07m51s
